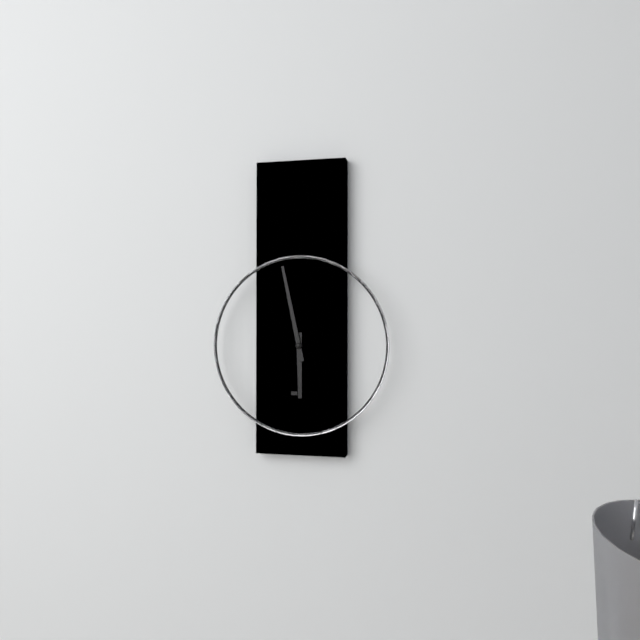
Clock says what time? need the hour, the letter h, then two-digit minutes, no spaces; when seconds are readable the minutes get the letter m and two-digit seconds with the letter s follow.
5h58
